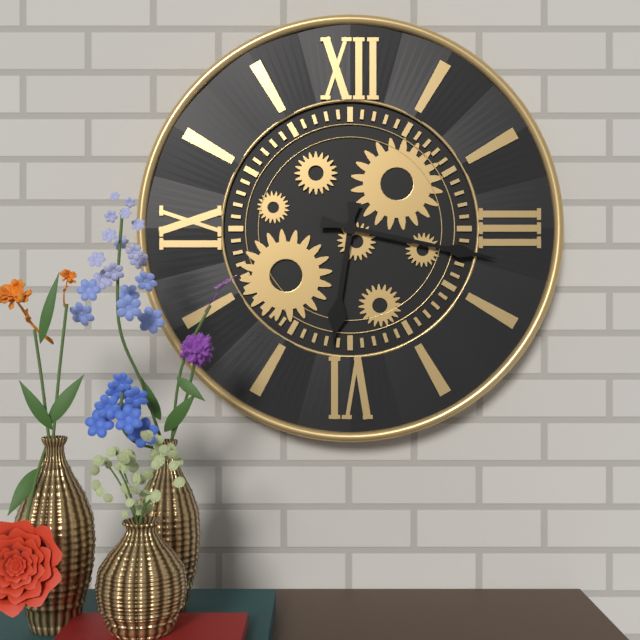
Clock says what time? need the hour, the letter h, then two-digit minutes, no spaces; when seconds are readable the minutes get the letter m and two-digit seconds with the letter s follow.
6h17
